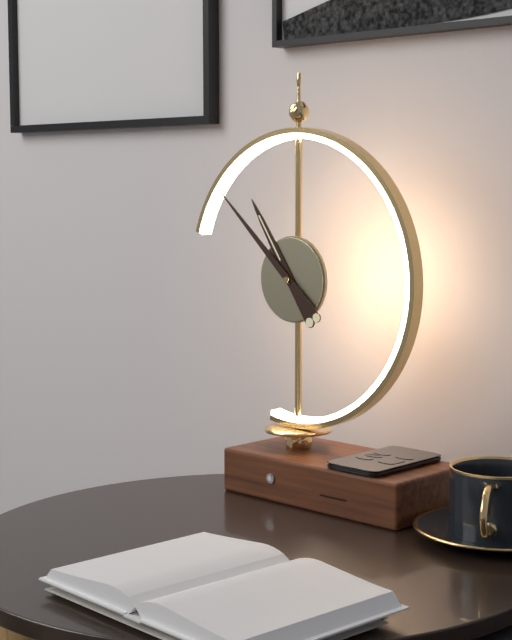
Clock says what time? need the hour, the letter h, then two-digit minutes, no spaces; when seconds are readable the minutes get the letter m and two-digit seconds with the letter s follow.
10h52
